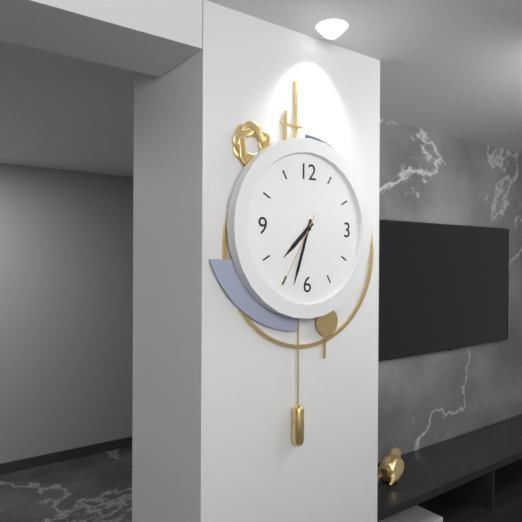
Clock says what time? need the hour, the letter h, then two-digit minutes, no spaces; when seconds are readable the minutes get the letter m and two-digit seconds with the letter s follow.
7h33m35s
